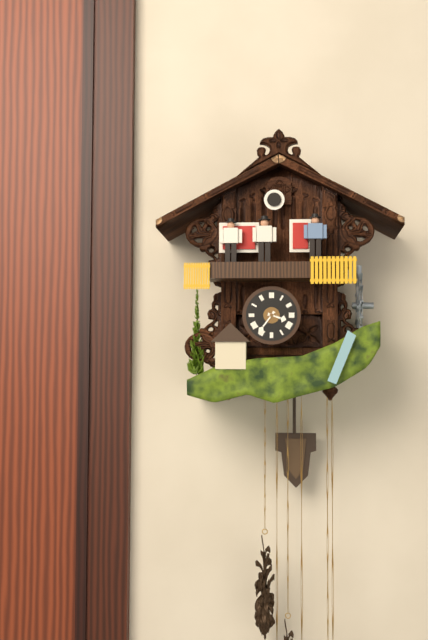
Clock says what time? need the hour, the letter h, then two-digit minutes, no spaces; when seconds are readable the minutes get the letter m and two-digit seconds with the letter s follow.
3h36
